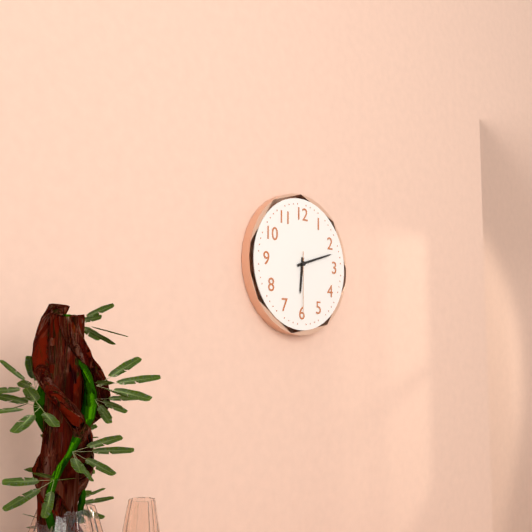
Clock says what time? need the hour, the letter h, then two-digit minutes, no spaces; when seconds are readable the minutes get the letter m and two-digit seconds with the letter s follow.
6h12m30s
